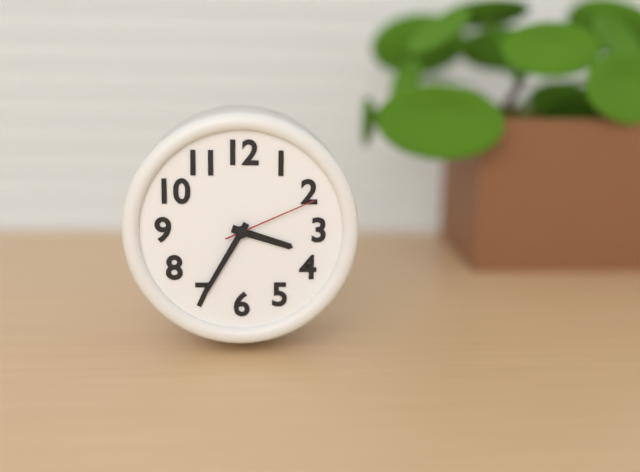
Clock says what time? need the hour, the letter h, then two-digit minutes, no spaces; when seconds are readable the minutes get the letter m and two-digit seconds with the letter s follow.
3h35m11s
